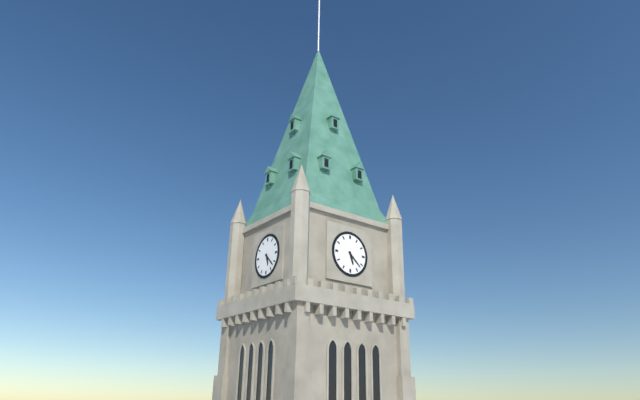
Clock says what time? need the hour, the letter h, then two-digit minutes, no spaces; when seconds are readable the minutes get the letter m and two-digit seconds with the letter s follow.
5h22
